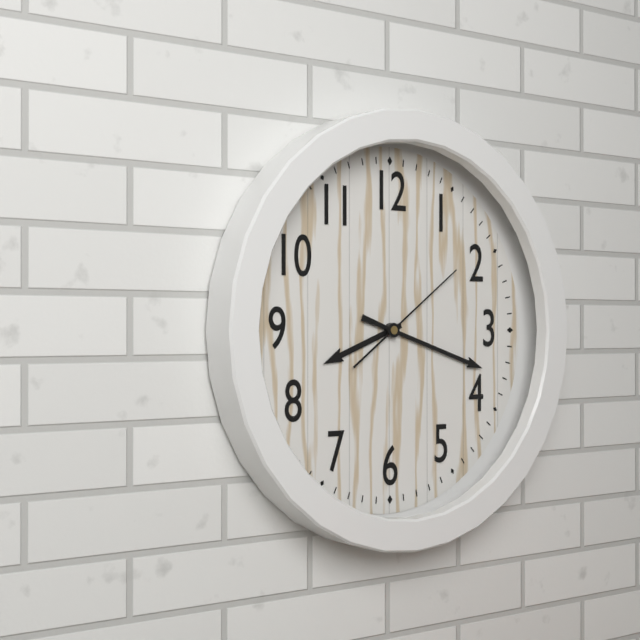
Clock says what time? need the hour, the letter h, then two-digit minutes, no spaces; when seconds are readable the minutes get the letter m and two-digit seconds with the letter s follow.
8h18m09s
